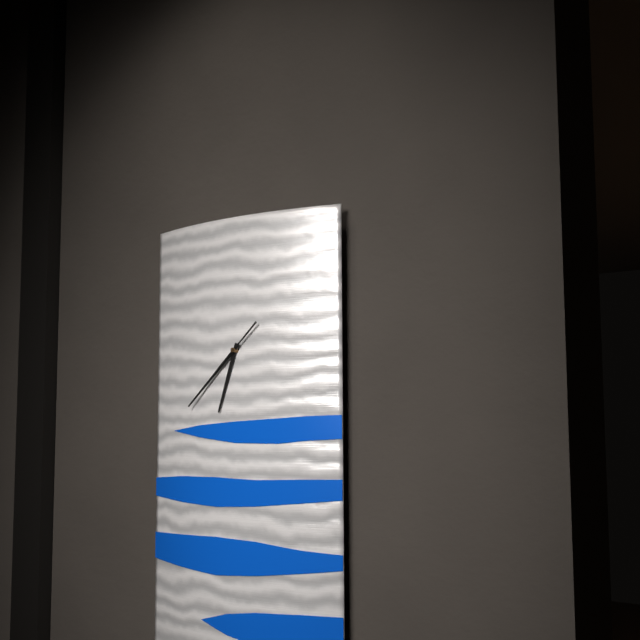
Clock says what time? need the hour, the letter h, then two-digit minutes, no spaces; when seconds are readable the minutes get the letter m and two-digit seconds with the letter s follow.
6h38m38s
